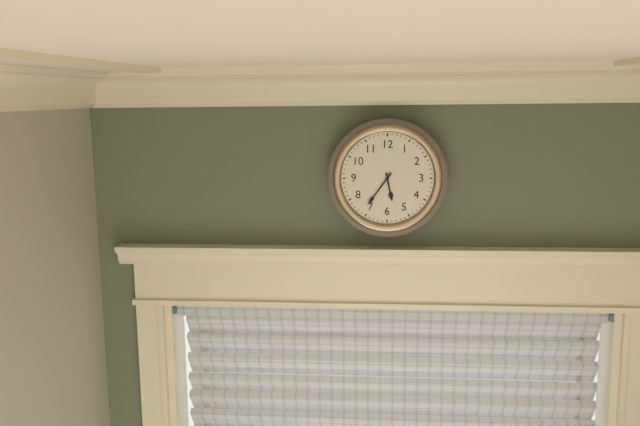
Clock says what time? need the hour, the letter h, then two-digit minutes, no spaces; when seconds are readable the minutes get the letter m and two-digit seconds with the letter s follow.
5h36
